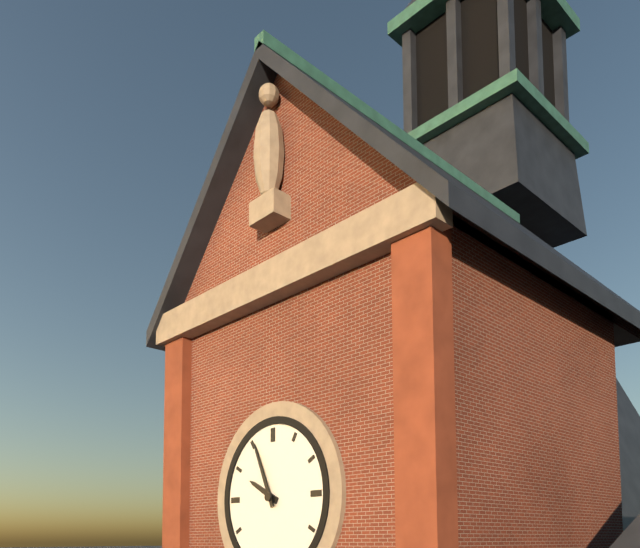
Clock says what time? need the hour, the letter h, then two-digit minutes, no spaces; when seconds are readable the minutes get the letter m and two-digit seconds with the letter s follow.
9h56
